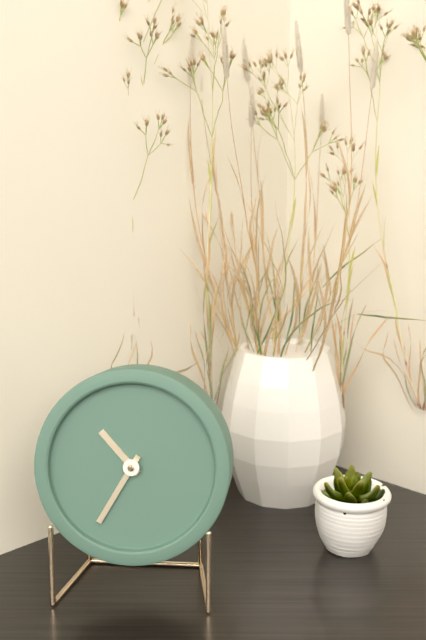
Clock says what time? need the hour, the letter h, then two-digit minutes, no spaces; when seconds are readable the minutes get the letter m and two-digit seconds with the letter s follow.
10h35
